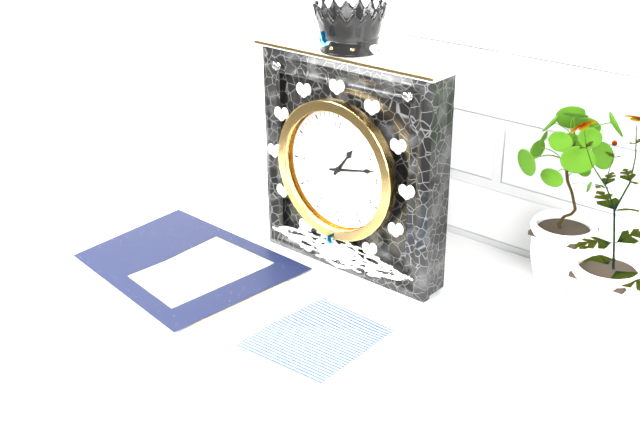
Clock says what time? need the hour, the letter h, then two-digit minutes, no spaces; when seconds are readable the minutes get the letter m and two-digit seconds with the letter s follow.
1h13
